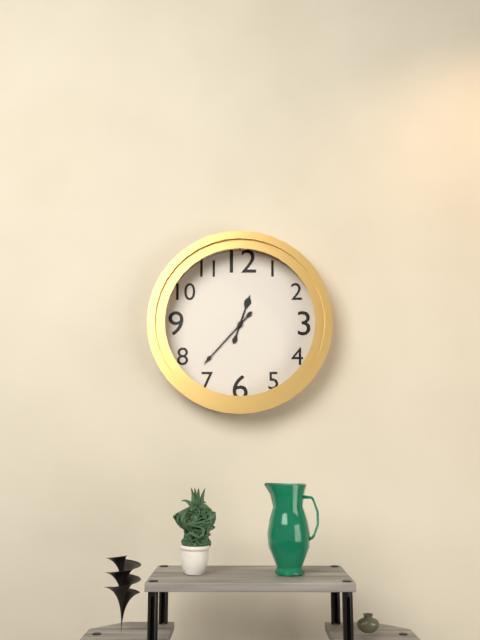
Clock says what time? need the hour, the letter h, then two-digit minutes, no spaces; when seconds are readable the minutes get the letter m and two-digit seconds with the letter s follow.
12h37
